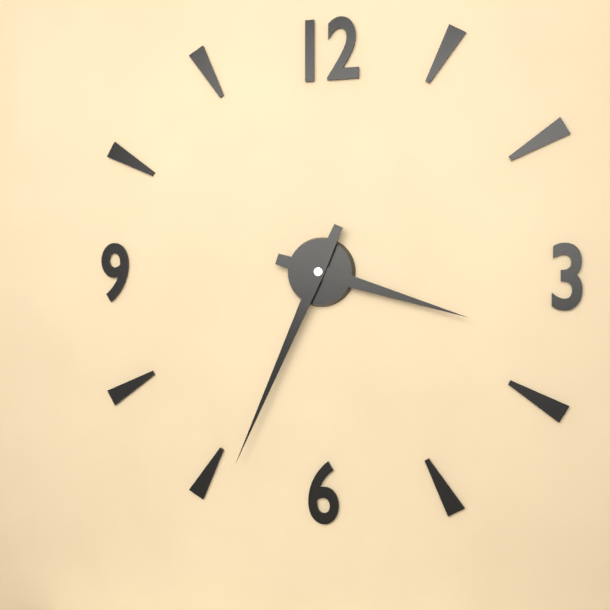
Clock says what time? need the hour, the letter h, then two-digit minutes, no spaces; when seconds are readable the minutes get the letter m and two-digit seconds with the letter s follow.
3h34
